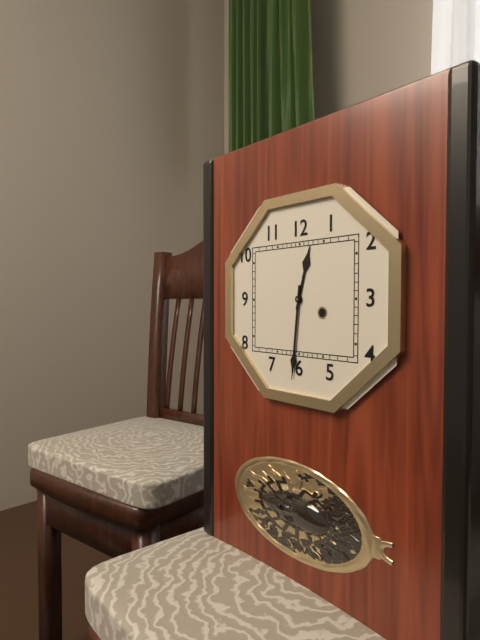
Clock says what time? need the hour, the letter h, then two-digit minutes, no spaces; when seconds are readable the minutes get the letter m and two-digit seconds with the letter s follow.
12h31
